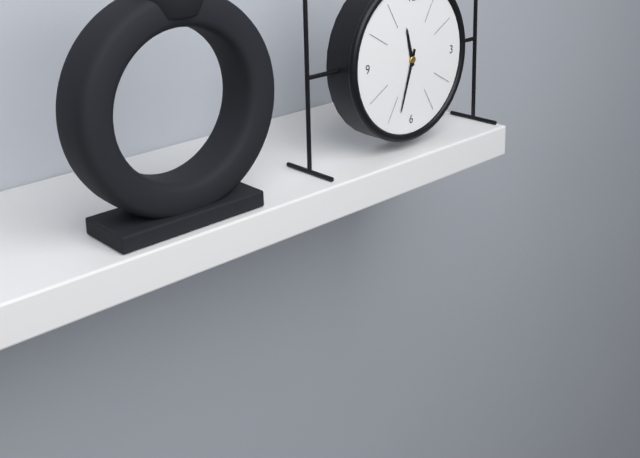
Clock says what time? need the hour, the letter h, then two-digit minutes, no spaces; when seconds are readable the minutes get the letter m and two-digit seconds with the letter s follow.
11h33
